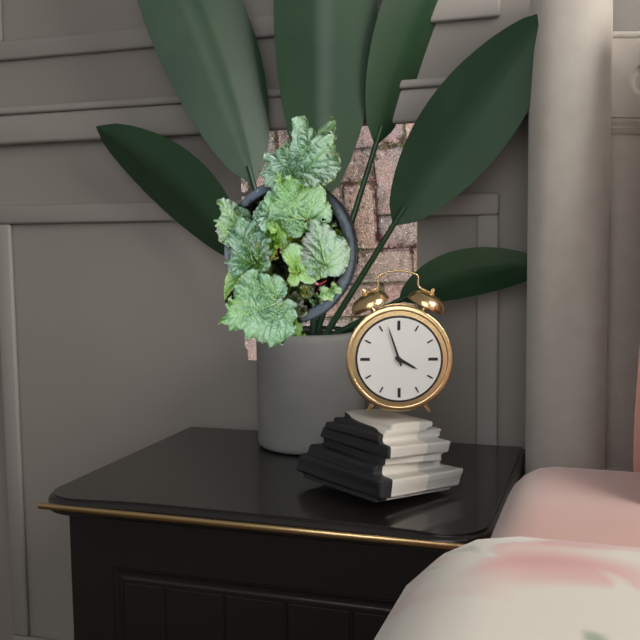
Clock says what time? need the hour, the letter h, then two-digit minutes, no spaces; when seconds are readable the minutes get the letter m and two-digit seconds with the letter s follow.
3h57
